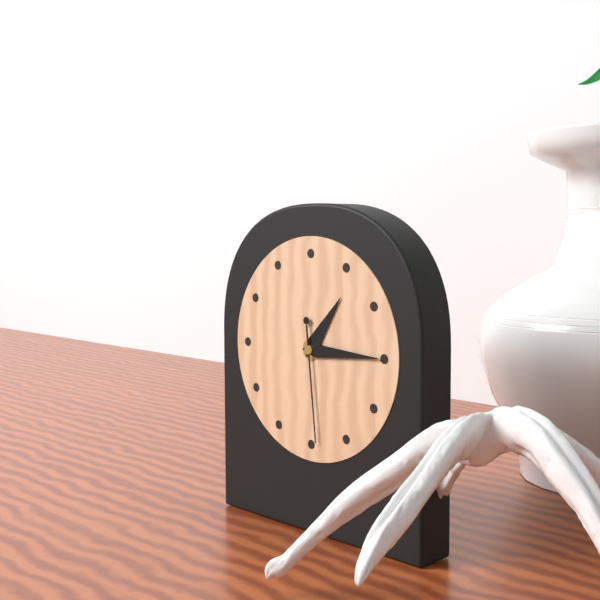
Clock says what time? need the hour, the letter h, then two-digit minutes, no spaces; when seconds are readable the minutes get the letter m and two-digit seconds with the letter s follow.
1h15m29s
